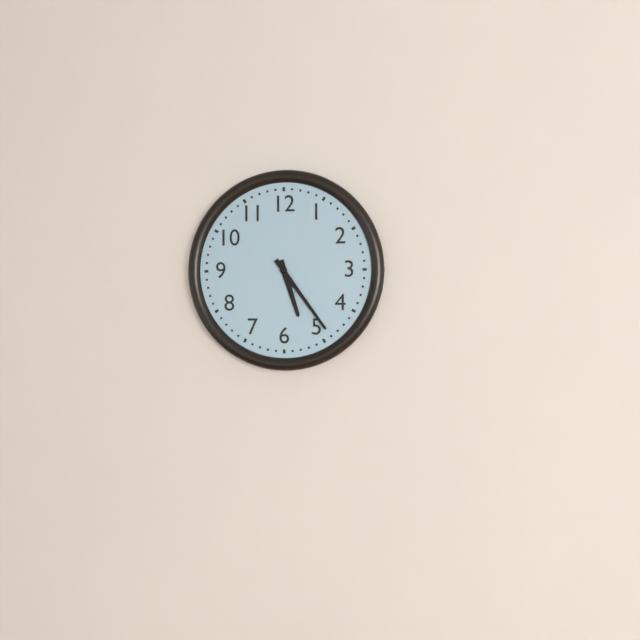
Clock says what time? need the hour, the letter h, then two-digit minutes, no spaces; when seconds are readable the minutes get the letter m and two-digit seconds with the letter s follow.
5h24
